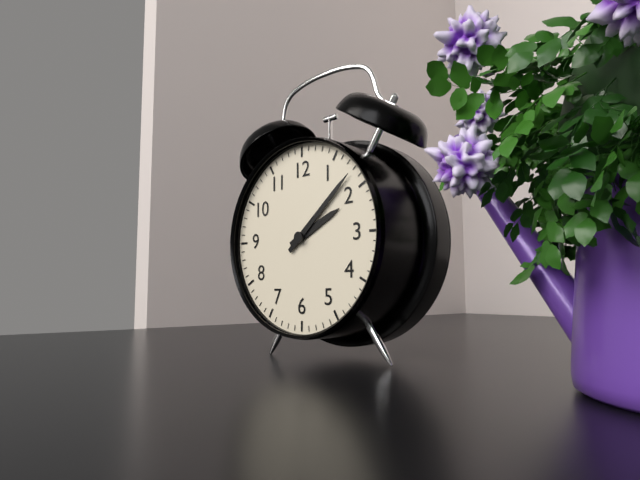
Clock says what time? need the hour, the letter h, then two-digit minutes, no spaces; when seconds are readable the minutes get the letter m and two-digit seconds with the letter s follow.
2h08
